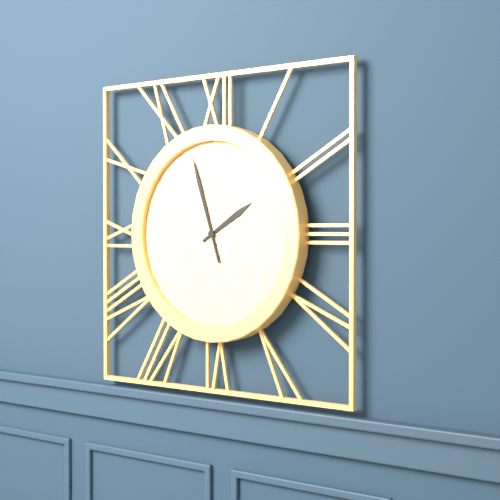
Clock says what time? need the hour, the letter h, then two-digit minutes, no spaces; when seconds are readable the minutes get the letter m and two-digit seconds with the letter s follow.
1h57
